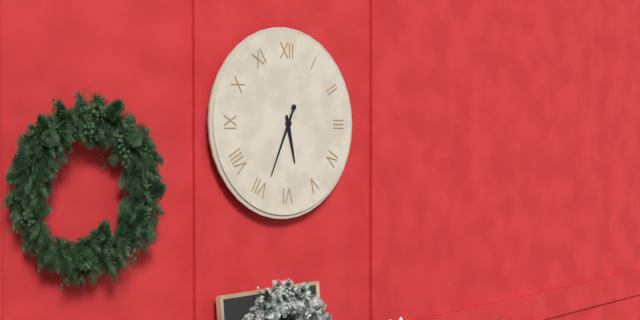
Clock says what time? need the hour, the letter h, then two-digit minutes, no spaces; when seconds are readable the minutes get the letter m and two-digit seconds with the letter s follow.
5h34
